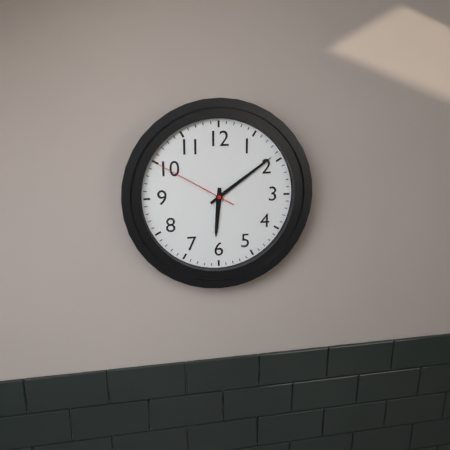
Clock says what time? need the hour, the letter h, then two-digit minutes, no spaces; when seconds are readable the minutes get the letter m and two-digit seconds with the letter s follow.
6h09m50s
